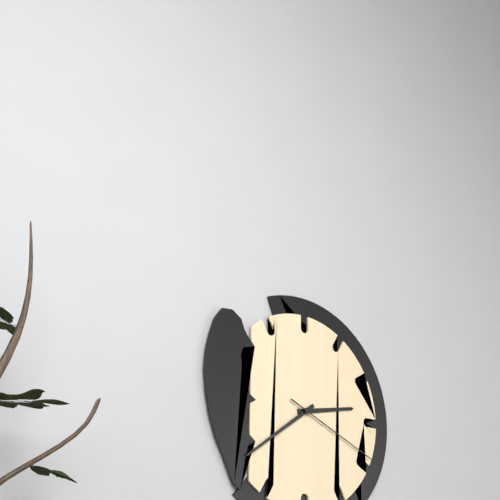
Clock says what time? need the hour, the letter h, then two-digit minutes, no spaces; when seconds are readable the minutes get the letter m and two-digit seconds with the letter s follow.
2h39m19s
